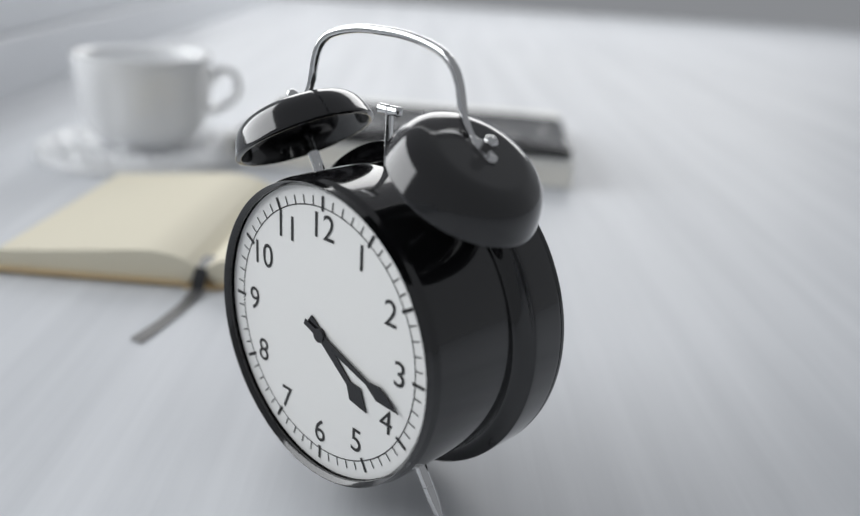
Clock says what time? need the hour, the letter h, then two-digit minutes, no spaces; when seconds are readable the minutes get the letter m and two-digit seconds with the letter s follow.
4h18
